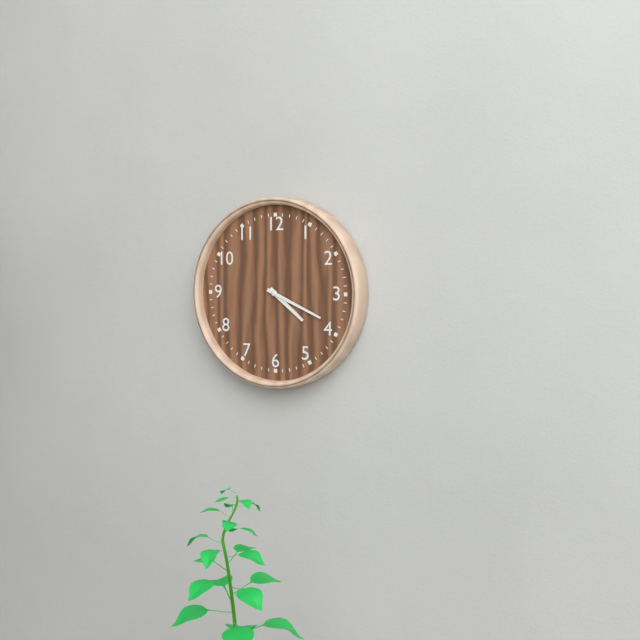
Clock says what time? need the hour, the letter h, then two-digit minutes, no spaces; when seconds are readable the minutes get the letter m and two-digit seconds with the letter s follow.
4h19
